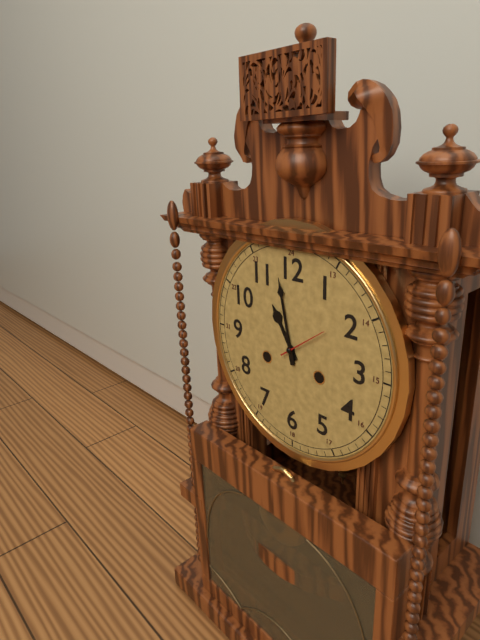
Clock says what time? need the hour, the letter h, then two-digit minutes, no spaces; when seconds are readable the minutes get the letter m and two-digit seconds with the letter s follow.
10h58
